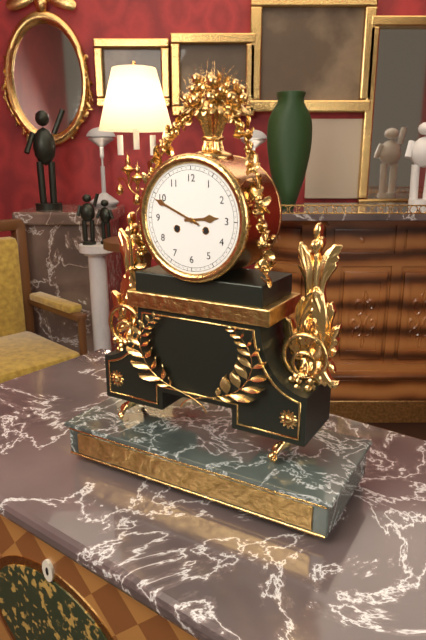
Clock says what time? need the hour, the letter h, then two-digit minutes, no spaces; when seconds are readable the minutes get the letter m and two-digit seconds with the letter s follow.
2h49
